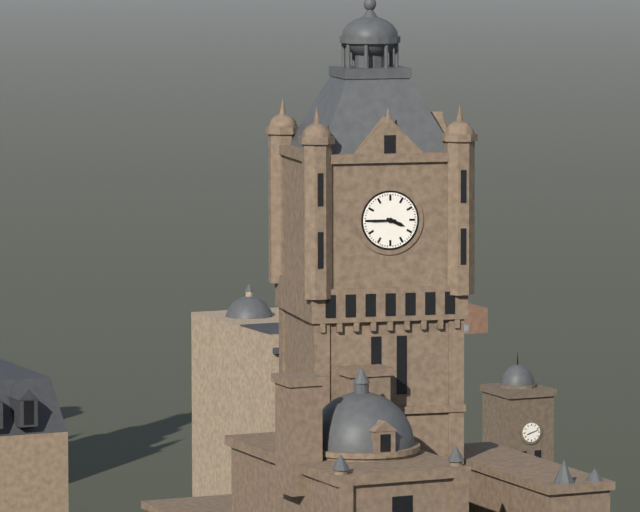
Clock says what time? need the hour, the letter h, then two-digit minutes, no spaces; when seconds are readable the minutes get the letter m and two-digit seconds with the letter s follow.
3h45
